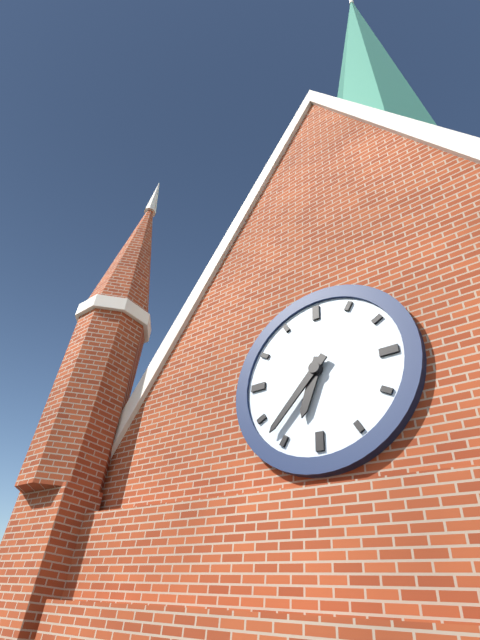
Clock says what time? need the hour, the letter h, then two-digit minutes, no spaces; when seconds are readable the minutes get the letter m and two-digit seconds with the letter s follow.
6h37
